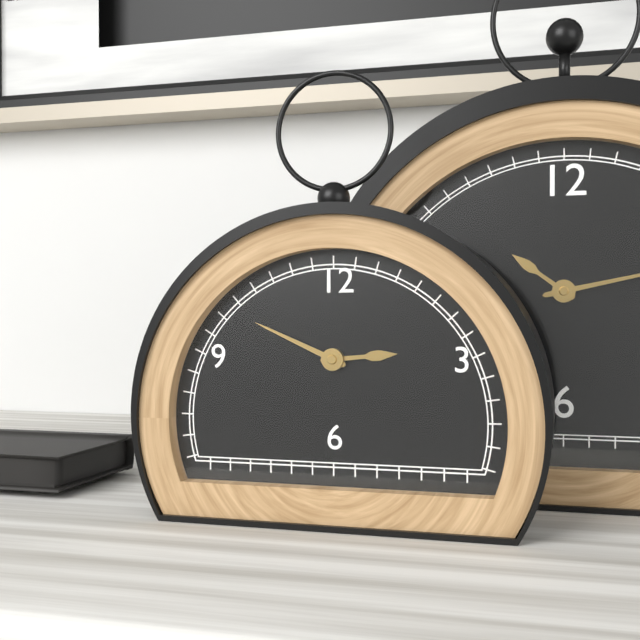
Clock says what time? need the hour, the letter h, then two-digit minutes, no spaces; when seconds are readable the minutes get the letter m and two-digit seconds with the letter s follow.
2h49
